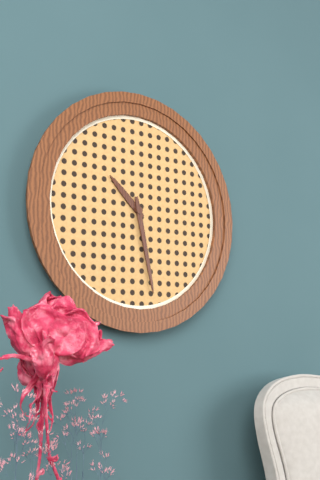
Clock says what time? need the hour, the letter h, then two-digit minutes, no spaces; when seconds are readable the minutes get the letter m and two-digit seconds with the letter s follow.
10h28
